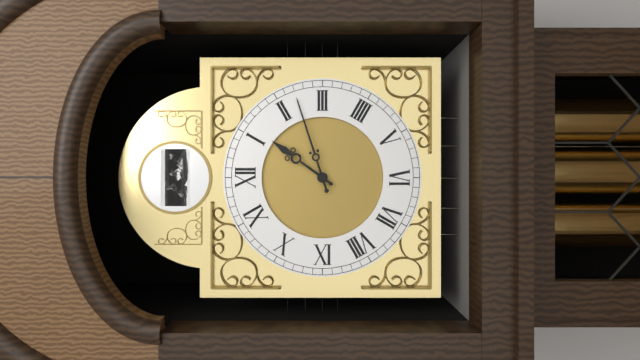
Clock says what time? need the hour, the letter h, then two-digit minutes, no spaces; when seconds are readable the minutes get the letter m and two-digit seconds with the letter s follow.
1h12
